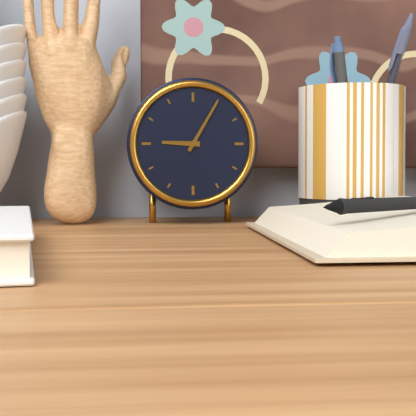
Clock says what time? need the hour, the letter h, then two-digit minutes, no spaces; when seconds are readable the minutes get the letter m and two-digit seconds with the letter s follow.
9h05
